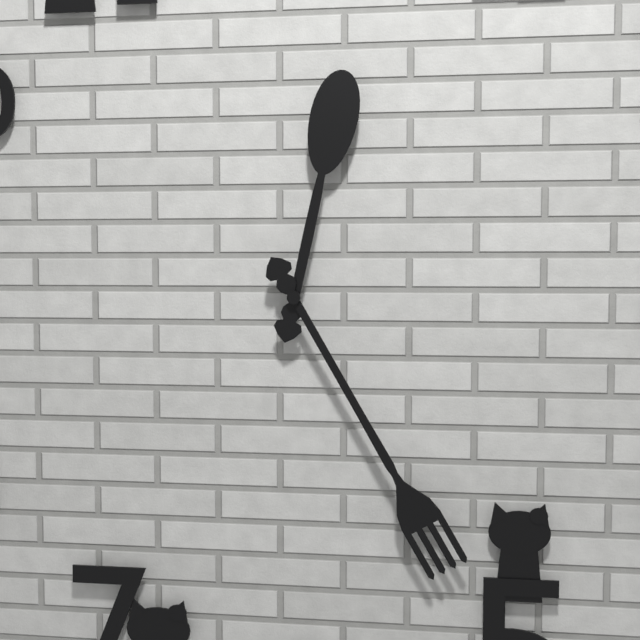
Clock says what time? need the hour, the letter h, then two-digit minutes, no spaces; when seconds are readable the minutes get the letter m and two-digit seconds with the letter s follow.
12h25
